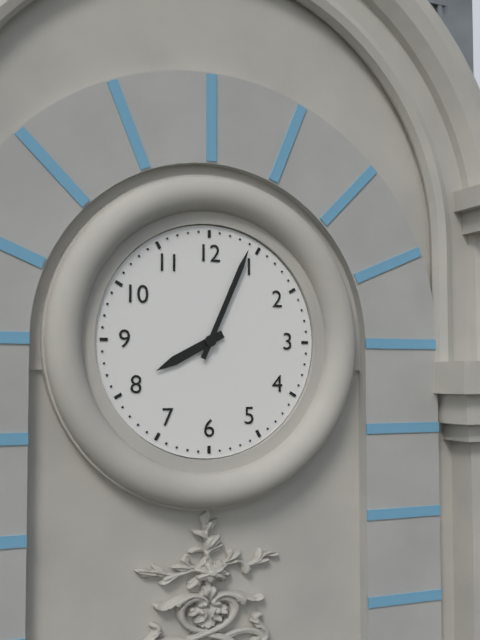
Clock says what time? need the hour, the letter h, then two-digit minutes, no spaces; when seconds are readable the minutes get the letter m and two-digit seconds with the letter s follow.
8h04
